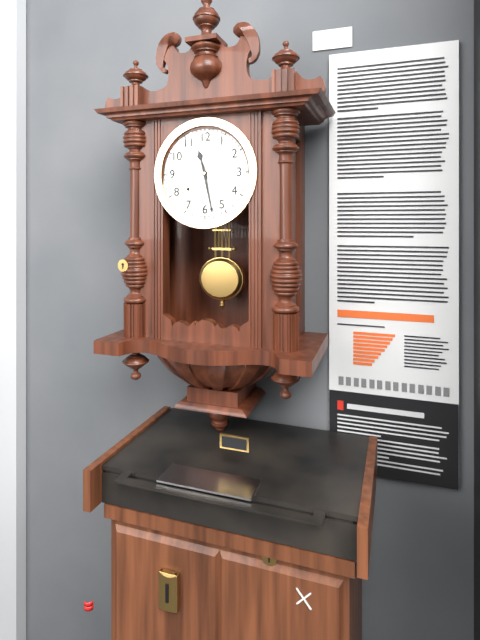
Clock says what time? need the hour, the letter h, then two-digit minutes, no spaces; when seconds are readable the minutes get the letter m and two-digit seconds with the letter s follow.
11h28
